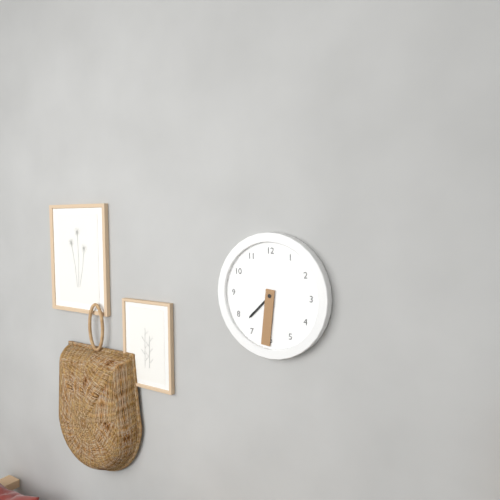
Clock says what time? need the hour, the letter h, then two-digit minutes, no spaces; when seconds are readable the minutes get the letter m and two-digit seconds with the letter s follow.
7h31
